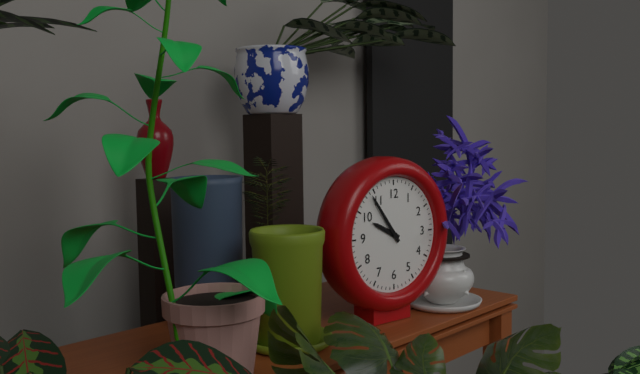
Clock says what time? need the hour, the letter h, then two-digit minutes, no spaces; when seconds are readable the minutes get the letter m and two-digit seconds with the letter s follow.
9h54
